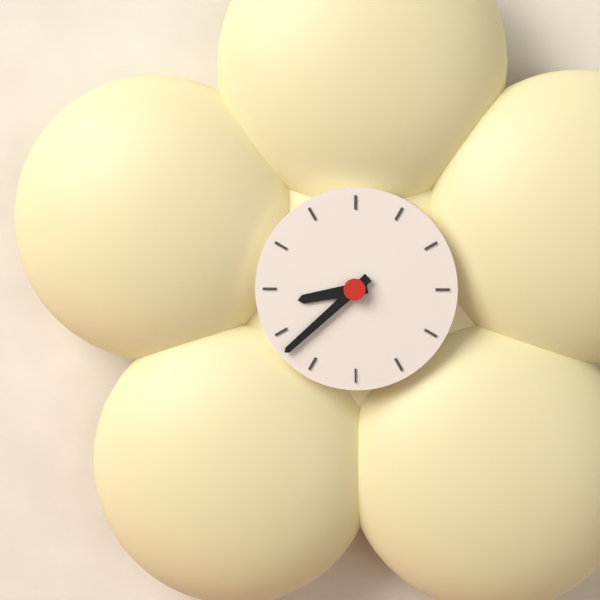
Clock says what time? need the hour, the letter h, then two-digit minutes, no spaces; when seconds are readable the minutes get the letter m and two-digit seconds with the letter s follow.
8h38
